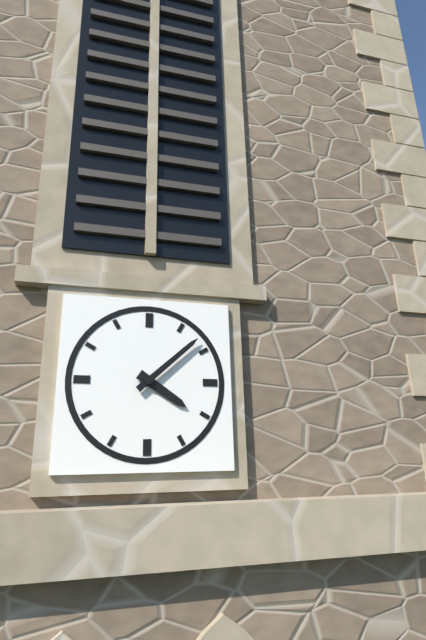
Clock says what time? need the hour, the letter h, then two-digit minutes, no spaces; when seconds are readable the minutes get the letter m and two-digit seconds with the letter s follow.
4h08
